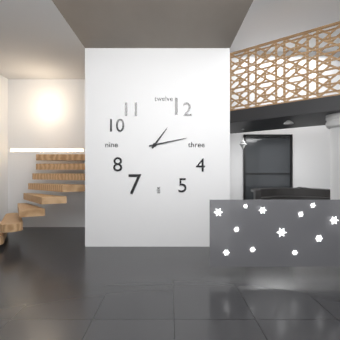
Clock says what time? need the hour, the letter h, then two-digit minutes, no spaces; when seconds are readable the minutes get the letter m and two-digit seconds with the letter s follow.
1h13
